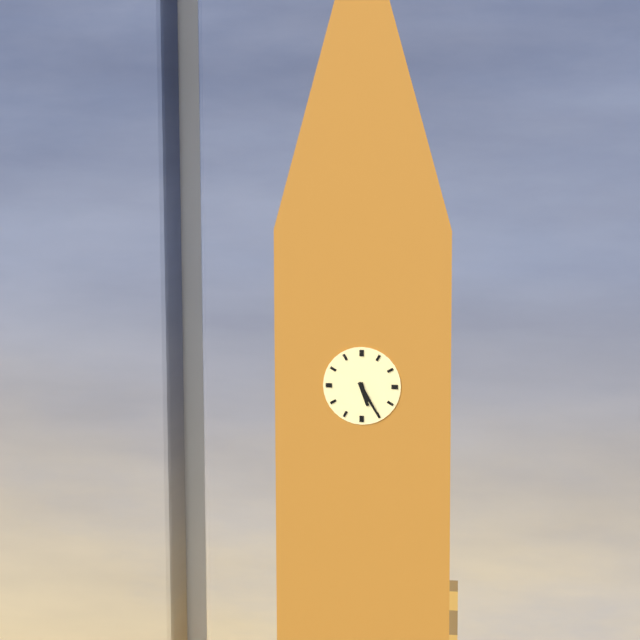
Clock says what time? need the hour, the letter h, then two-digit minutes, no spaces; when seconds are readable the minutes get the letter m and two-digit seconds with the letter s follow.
5h25
